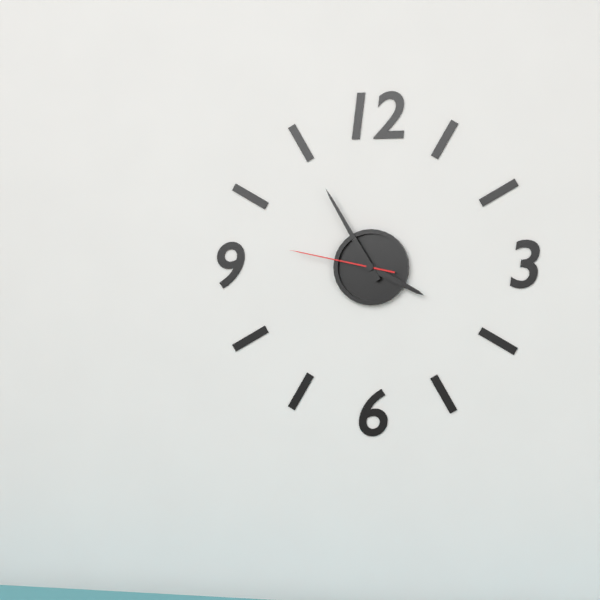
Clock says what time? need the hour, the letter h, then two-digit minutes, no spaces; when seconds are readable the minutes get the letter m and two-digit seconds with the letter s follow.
3h55m47s
